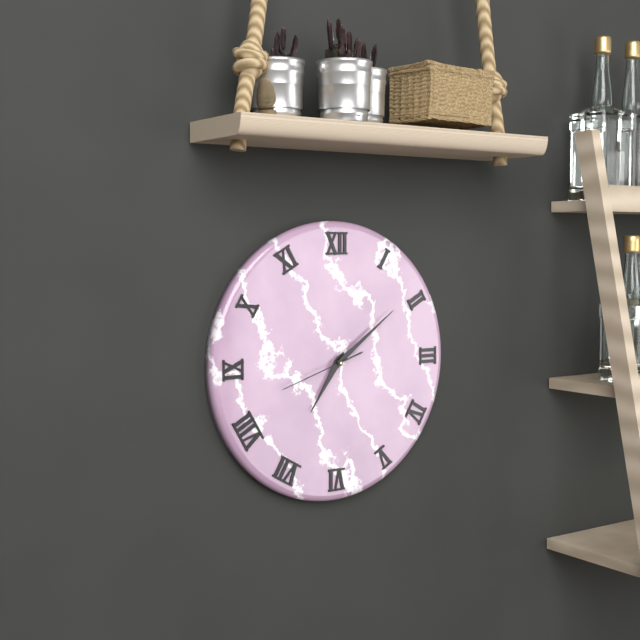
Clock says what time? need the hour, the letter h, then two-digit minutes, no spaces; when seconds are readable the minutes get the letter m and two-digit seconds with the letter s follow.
7h09m42s
